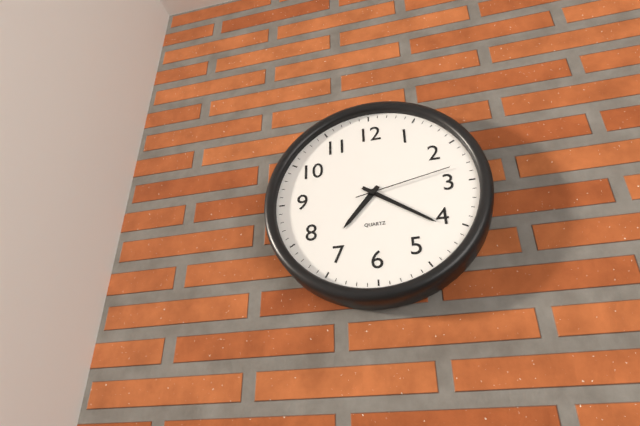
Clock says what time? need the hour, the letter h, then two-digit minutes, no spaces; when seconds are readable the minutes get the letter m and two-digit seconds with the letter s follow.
7h21m13s
